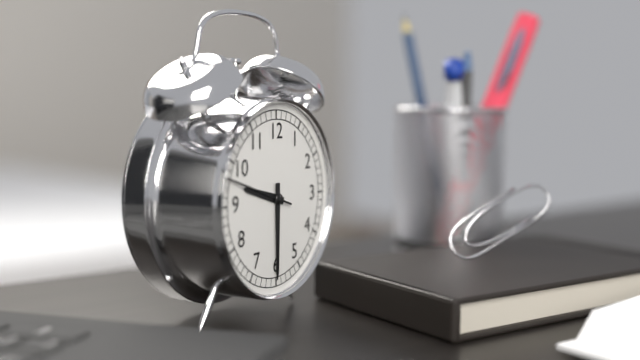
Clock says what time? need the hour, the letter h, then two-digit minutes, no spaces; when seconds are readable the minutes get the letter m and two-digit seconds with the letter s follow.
9h30m48s
